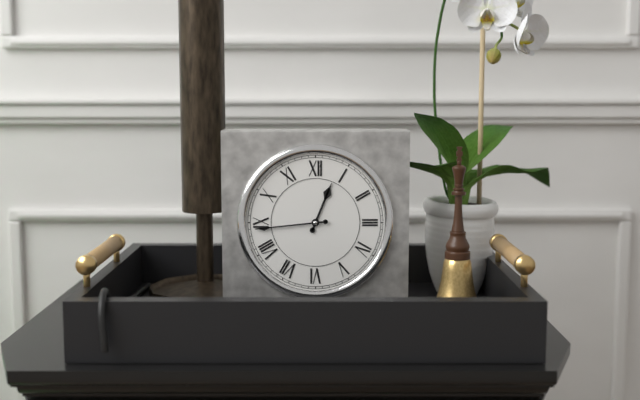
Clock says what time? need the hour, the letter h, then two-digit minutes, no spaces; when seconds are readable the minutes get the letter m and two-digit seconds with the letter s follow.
12h44
